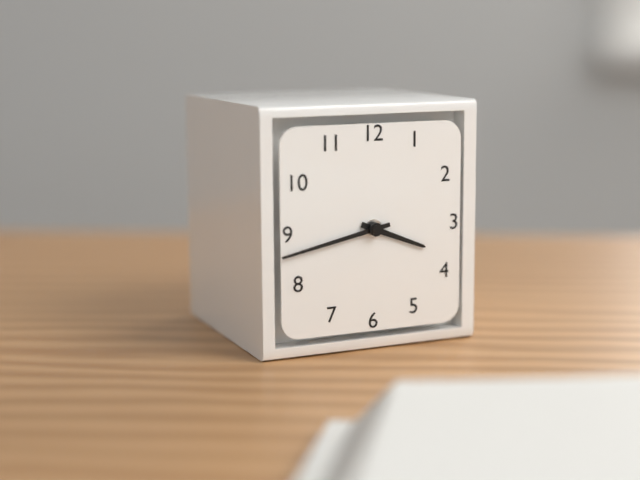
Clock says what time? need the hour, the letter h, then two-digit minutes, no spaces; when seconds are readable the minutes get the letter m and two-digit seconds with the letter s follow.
3h43
